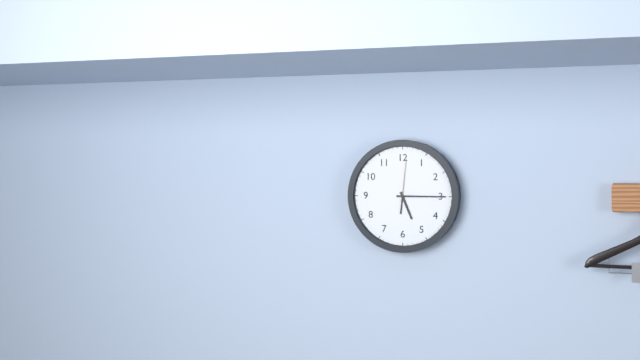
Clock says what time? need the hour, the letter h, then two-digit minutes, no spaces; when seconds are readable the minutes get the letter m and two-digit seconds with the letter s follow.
5h15
